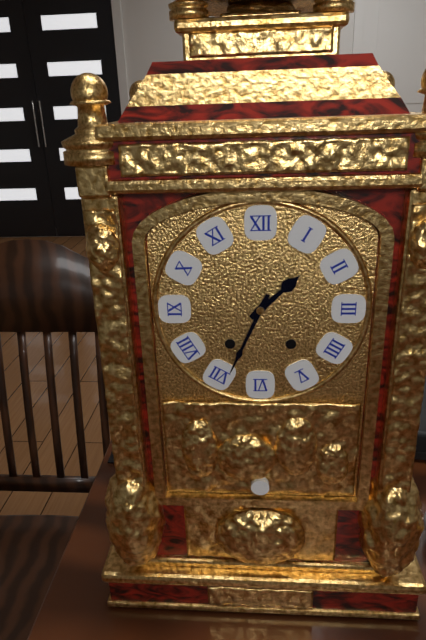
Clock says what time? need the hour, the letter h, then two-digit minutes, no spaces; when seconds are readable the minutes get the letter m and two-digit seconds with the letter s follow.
1h34
